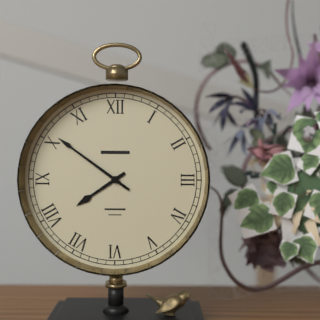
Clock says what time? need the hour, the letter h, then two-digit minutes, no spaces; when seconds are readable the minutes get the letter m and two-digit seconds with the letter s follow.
7h51
